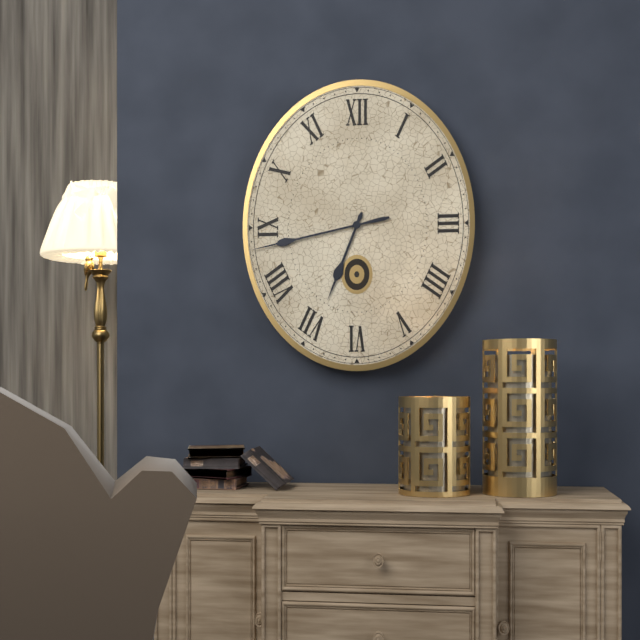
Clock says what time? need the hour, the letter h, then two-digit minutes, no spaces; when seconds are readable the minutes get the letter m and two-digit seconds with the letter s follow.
6h43
